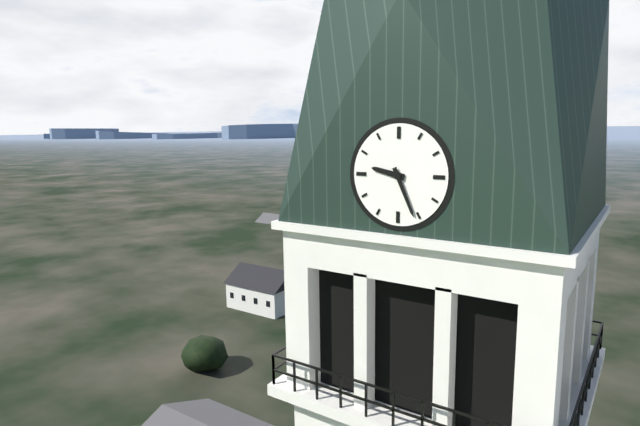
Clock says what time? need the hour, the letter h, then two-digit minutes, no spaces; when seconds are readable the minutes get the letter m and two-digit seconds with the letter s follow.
9h26
